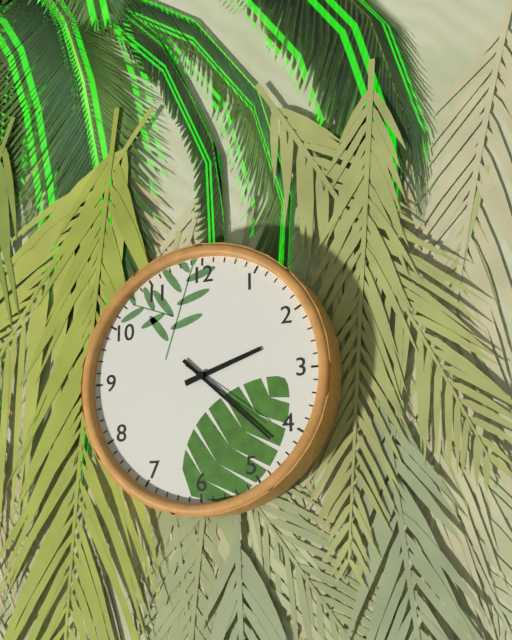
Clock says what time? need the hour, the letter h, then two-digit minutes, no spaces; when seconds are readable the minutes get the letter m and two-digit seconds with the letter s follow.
2h22m21s
